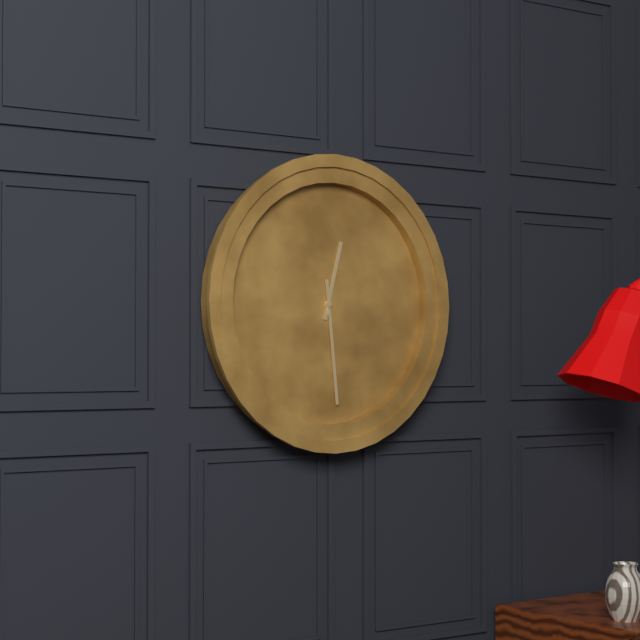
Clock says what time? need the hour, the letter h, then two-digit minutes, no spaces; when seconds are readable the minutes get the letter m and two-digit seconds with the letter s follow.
12h29
